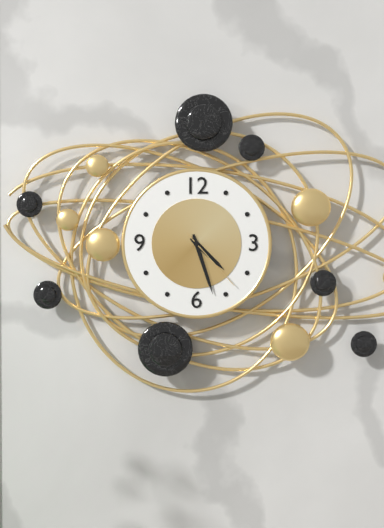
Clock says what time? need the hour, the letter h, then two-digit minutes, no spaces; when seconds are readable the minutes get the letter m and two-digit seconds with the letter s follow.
4h27m23s
